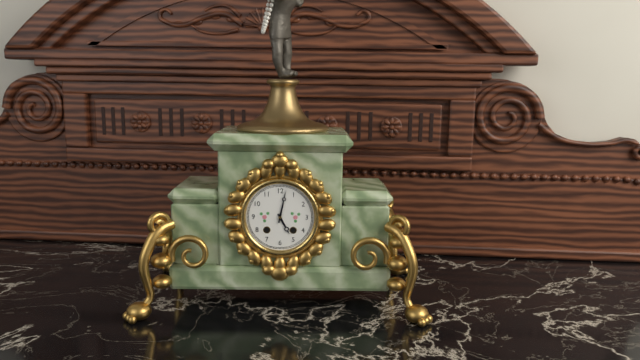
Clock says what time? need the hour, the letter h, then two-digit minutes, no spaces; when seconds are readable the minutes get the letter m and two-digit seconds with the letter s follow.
5h02
